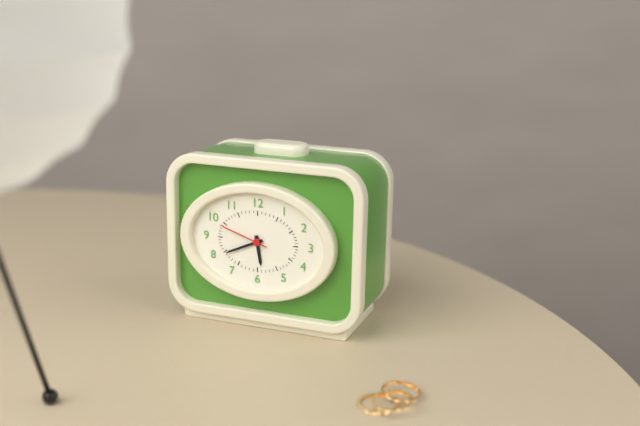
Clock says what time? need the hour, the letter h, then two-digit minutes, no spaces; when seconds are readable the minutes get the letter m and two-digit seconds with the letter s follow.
5h41m48s
